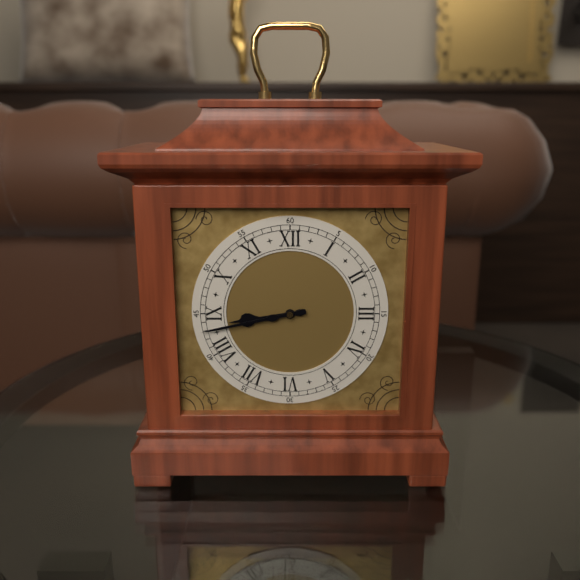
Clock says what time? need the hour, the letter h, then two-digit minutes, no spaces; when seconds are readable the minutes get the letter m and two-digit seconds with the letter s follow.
8h43
